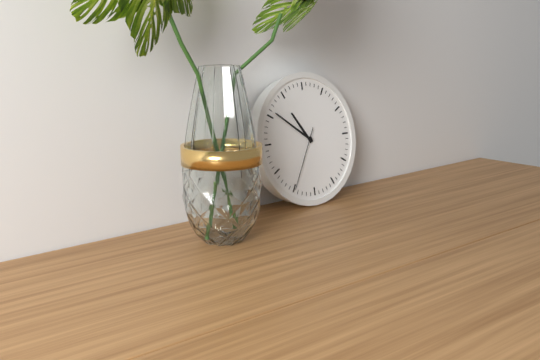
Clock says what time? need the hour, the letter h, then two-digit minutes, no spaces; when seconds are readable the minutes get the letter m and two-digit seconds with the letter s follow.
10h51m35s
